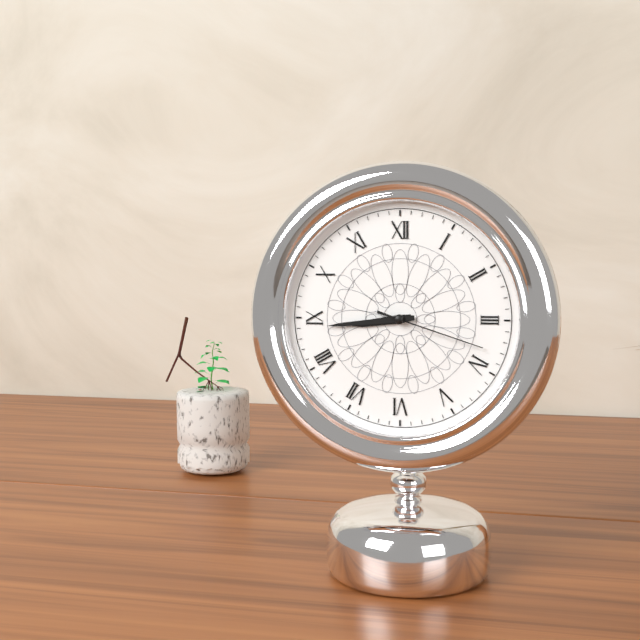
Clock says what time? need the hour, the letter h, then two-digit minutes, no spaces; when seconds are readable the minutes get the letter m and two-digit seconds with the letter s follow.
8h44m18s
